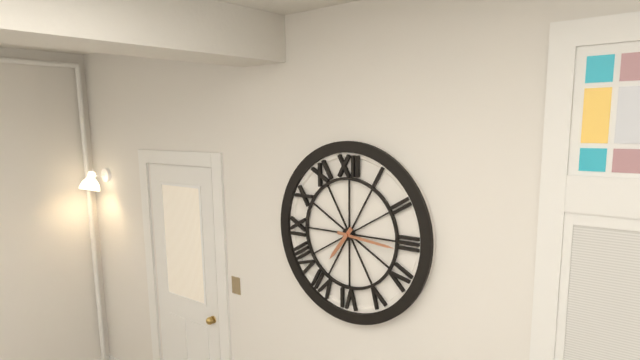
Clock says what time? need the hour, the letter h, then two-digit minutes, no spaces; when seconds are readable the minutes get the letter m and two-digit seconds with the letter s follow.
7h16
